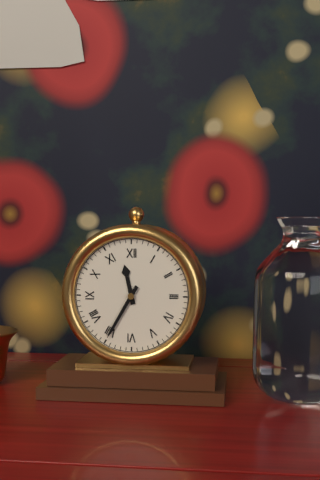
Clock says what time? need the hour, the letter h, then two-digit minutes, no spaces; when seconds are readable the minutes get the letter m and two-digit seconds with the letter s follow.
11h35
